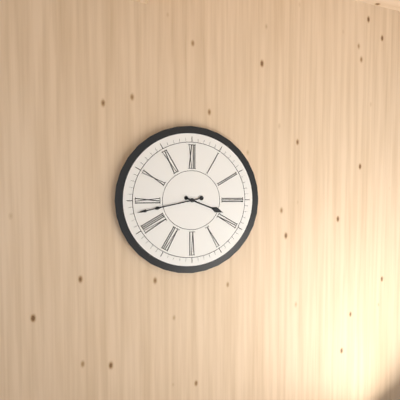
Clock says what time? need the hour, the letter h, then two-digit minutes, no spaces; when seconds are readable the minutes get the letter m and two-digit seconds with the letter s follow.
3h43
